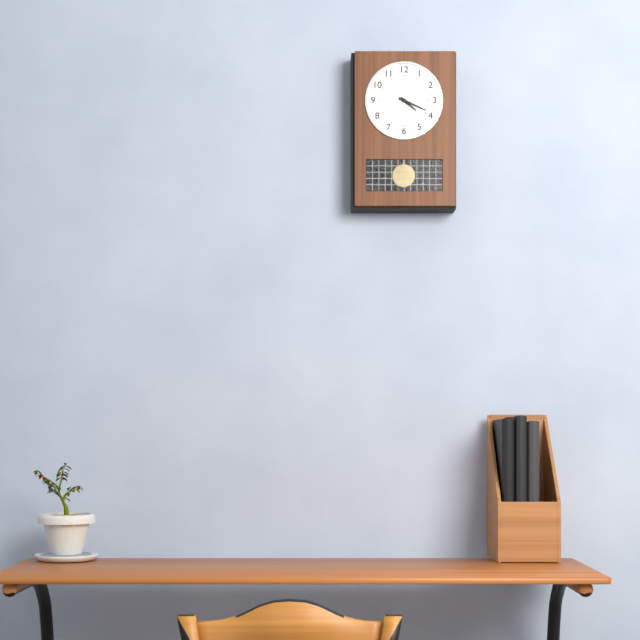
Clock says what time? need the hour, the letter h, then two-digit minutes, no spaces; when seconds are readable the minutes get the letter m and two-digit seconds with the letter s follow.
4h19
